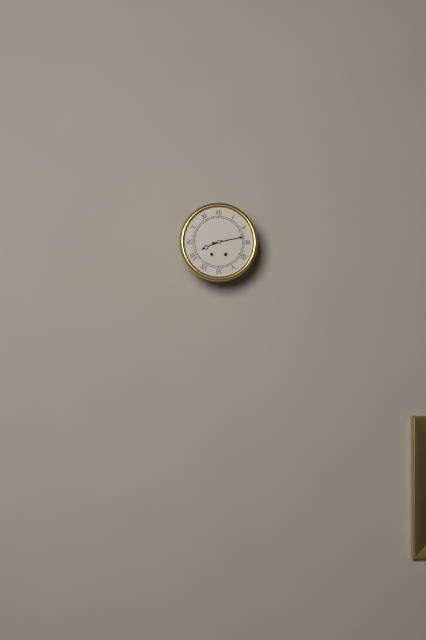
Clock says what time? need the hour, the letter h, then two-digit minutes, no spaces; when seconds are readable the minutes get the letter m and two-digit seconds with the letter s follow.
8h13
